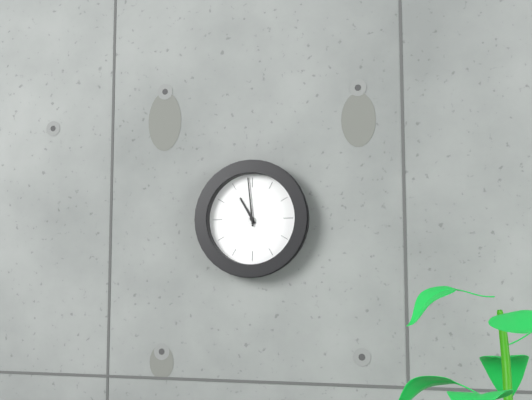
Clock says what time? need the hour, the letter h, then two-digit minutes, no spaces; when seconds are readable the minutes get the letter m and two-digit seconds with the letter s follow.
10h59
